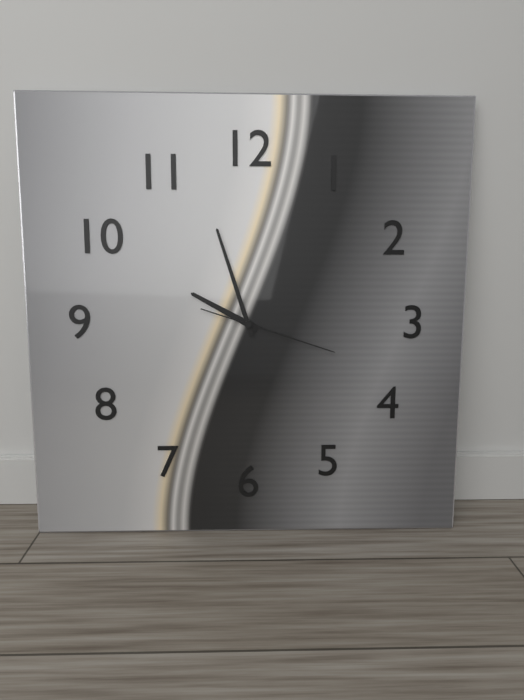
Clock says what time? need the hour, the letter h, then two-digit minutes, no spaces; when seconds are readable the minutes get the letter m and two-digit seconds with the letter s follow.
9h57m18s
